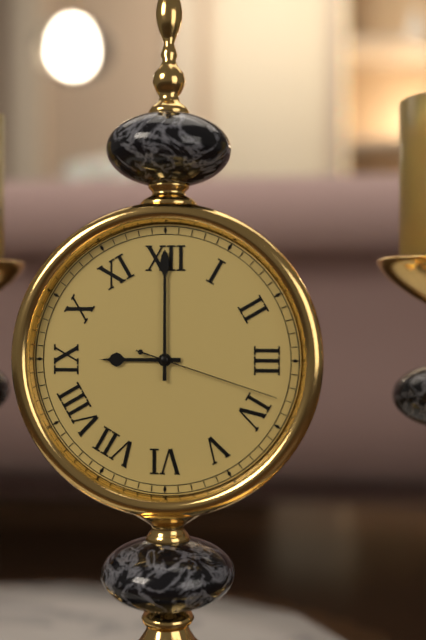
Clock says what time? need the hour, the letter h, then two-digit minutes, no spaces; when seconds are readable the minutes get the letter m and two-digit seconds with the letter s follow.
9h00m18s
